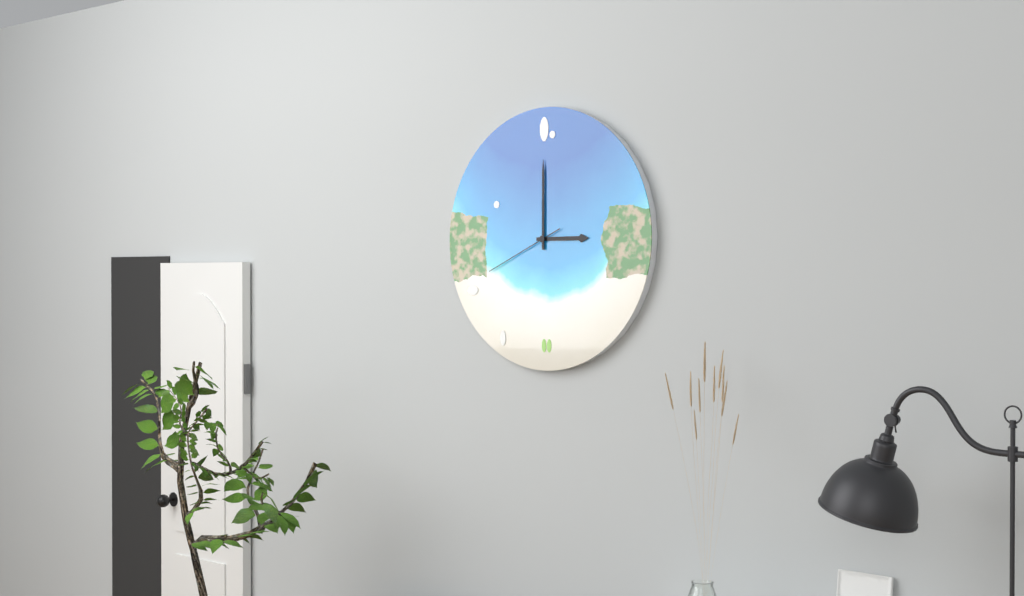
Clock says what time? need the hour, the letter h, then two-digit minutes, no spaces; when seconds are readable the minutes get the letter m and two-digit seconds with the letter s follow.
3h00m41s
